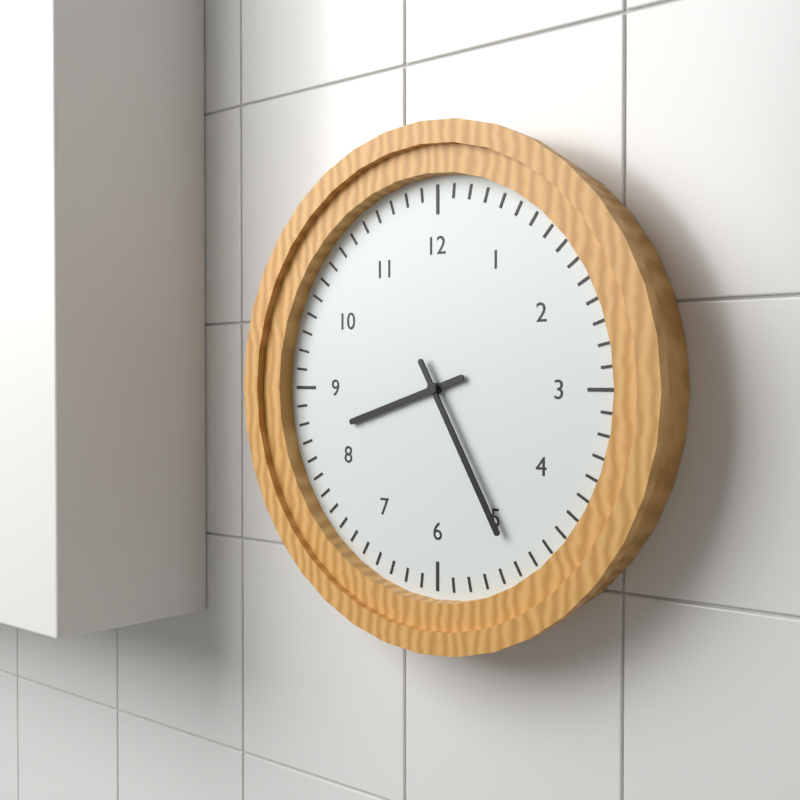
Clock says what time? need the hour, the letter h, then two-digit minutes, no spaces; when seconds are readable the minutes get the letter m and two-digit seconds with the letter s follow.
8h25
